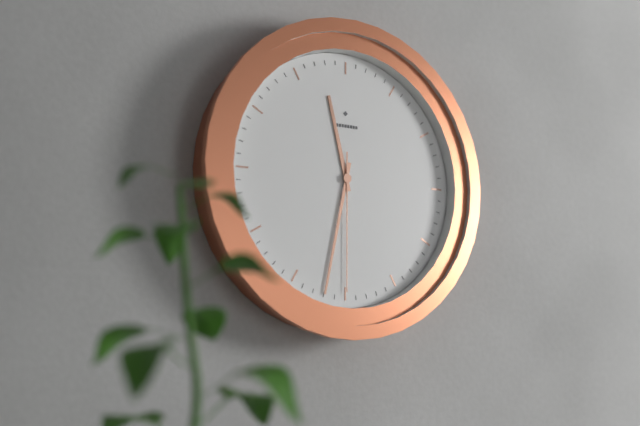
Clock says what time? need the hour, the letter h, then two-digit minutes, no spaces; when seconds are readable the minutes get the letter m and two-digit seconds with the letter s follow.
11h32m30s
